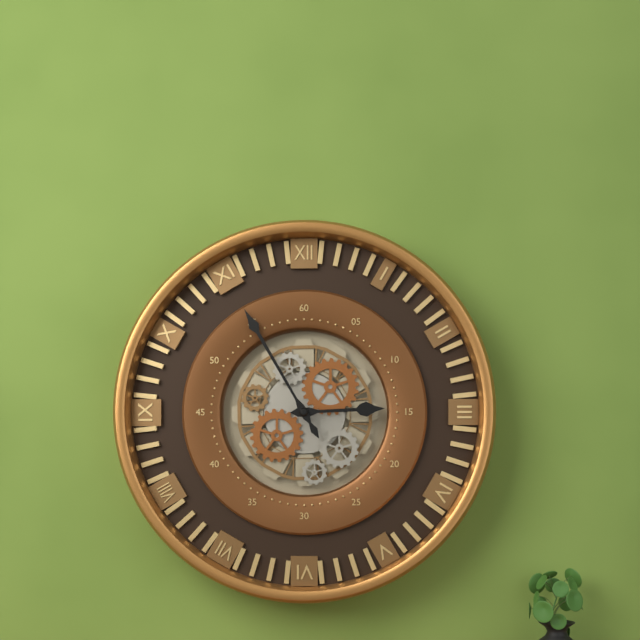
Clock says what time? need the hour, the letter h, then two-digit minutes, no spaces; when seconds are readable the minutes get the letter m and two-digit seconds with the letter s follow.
2h55
